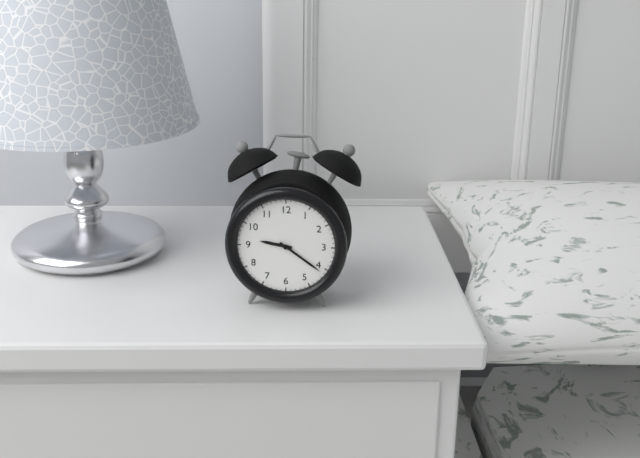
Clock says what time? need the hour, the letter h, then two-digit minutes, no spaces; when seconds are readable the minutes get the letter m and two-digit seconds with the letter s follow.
9h21
